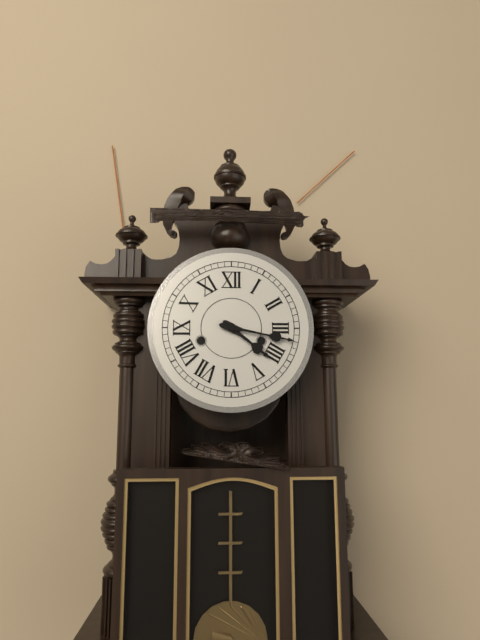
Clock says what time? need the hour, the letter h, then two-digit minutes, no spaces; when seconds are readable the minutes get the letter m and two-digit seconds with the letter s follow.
4h17
